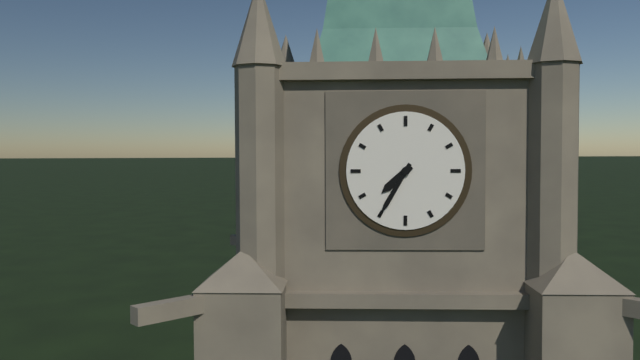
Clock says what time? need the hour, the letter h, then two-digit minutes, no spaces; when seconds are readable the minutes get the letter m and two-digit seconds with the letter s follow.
7h35
